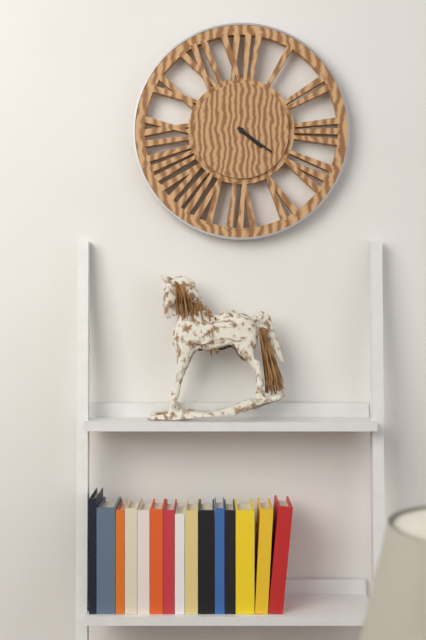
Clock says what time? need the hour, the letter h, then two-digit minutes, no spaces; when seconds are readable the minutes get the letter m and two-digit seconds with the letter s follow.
4h21
